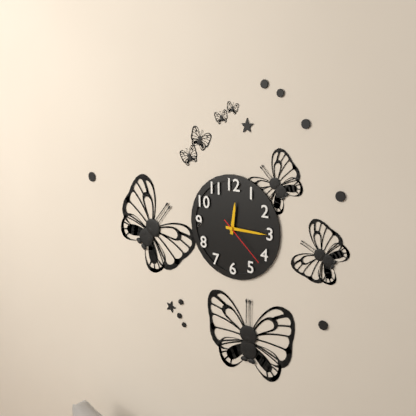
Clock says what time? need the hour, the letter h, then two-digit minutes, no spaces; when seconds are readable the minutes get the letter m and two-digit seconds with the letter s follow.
12h15m22s
